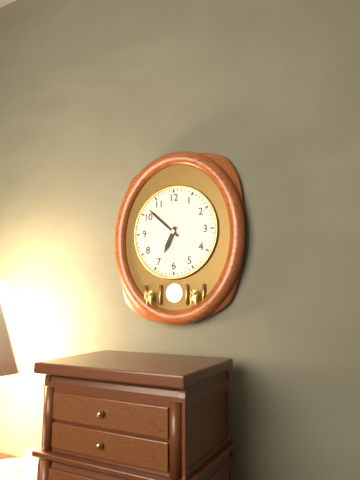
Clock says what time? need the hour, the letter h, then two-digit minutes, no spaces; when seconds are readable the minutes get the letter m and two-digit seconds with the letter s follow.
6h52
